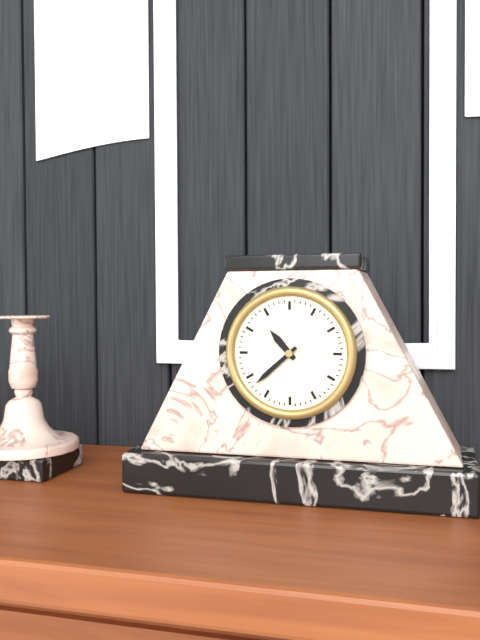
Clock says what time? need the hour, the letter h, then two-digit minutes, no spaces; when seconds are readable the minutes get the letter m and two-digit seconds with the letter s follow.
10h38
